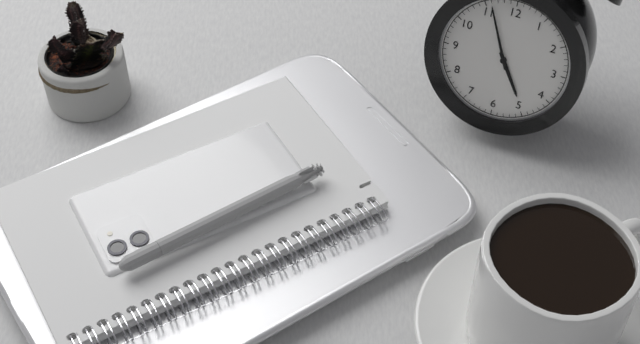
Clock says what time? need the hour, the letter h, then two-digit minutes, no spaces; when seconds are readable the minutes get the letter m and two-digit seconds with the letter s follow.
4h56
